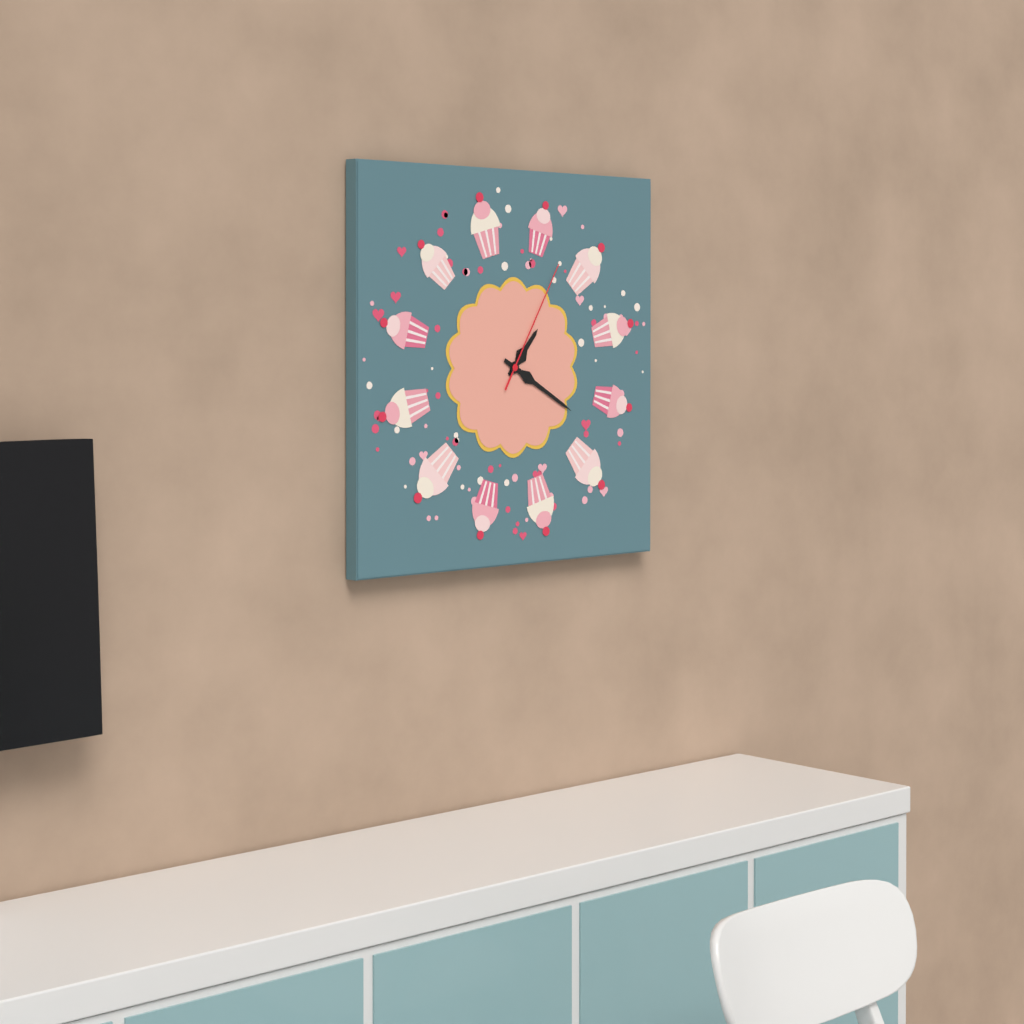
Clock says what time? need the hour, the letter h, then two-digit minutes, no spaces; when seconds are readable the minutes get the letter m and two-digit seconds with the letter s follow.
1h20m05s
